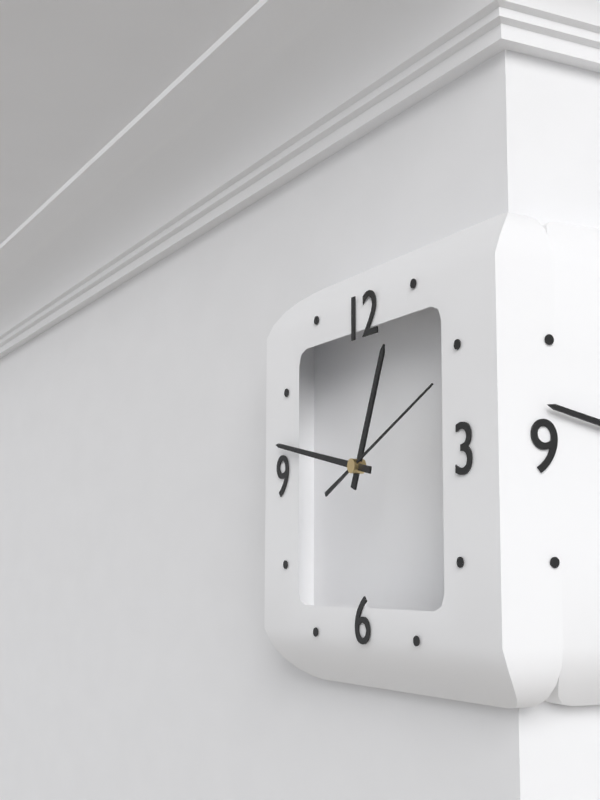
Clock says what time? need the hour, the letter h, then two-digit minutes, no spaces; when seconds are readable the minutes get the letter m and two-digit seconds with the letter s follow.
12h47m11s
